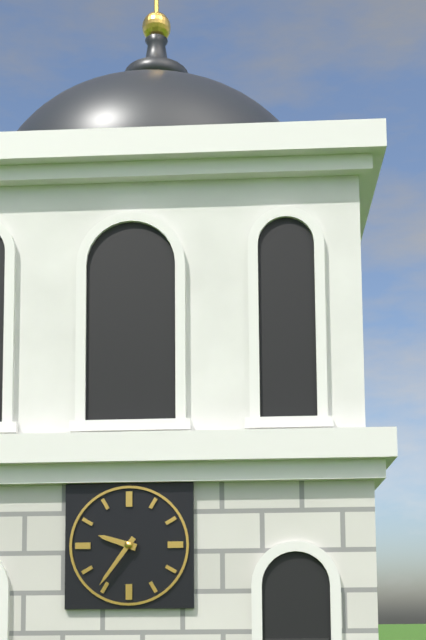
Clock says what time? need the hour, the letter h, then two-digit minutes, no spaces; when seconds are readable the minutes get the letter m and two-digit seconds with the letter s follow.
9h36
